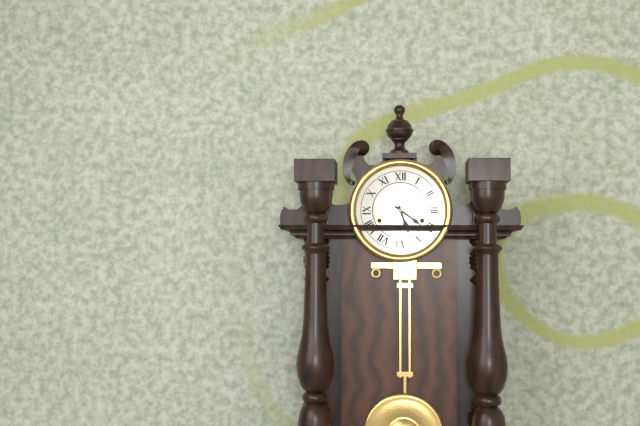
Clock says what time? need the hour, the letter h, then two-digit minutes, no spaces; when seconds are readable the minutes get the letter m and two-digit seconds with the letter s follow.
5h21
